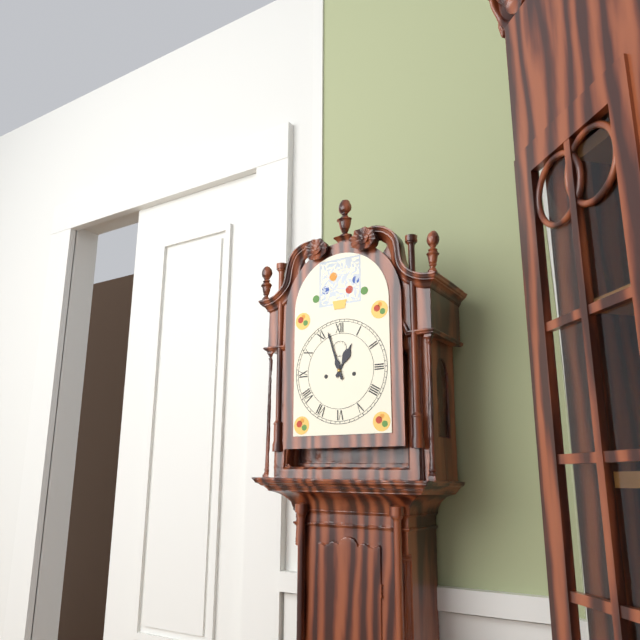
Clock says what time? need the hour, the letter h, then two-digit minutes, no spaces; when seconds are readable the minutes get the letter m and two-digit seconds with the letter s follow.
12h57
